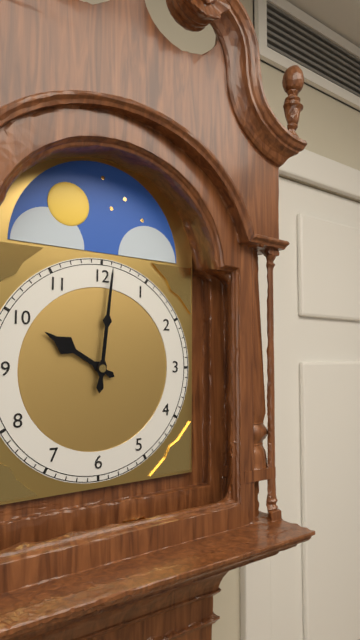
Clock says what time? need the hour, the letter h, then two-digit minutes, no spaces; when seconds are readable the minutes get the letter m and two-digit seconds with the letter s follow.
10h01
